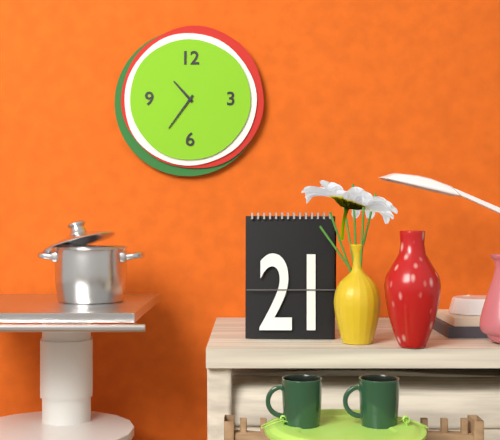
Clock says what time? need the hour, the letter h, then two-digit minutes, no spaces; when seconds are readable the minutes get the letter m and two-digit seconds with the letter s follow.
10h36
